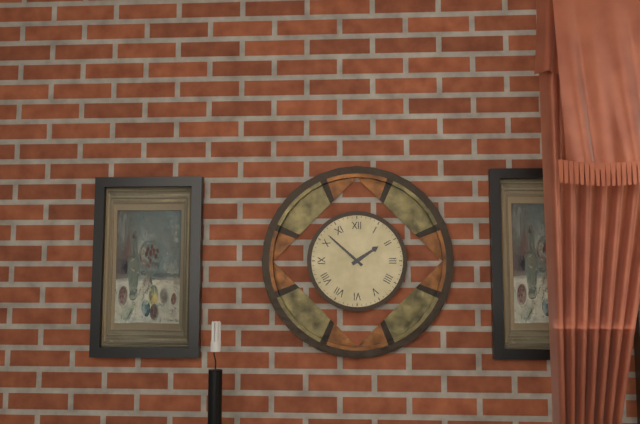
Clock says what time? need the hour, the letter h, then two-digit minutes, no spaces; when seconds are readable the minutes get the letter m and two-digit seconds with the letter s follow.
1h52
